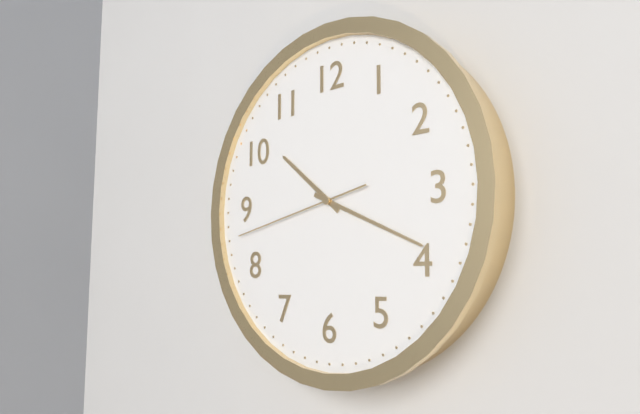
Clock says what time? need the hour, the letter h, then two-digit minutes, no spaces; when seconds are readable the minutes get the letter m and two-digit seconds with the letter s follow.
10h19m43s
